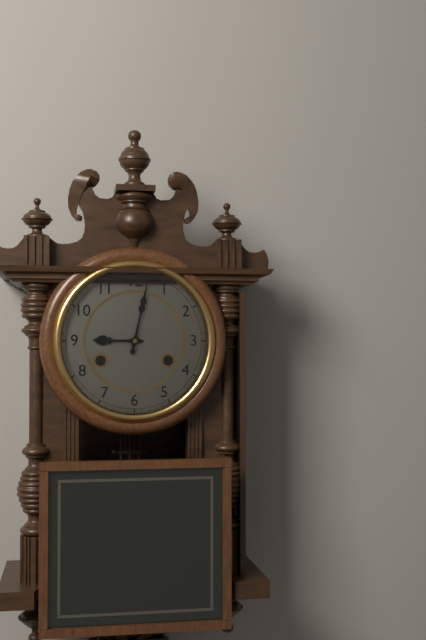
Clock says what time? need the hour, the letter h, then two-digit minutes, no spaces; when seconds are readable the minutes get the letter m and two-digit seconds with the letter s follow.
9h02
